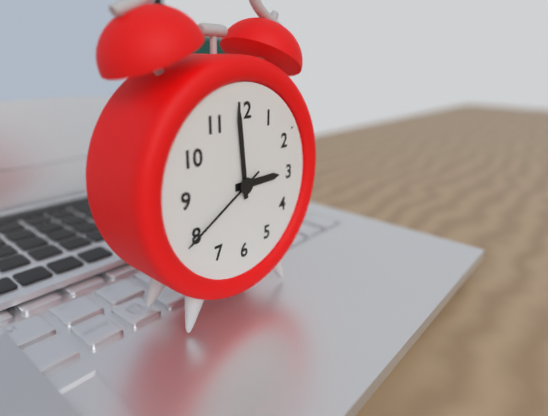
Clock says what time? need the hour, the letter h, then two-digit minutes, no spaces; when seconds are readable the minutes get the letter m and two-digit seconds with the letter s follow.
2h59m40s
